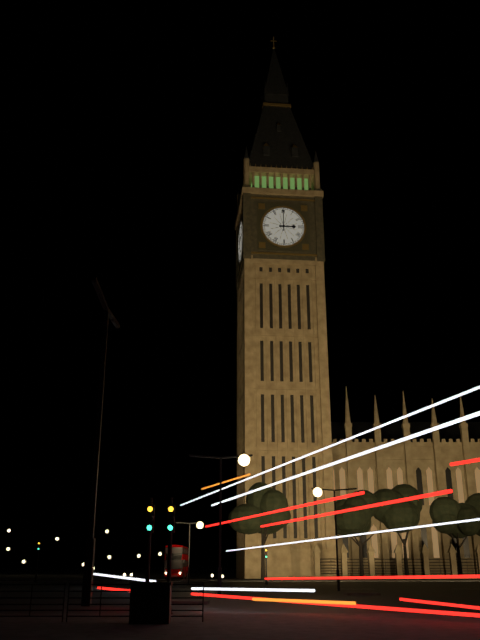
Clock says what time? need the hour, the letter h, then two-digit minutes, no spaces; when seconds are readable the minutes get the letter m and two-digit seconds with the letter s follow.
3h00
